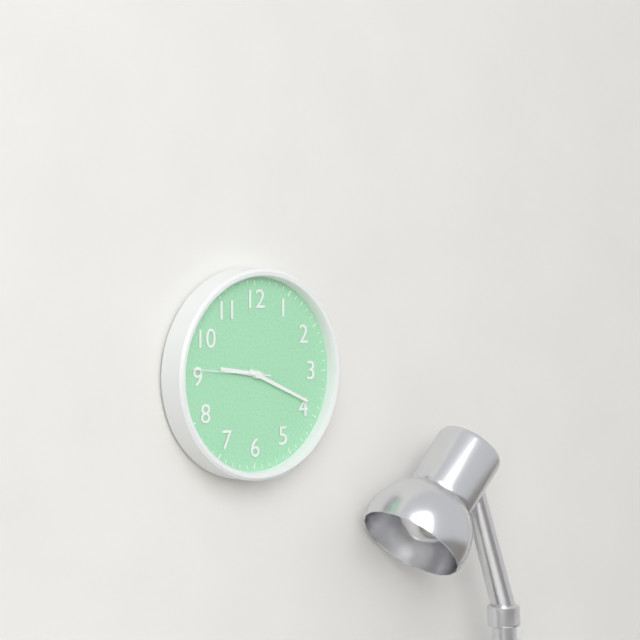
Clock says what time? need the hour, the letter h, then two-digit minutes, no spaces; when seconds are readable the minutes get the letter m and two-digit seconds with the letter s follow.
9h19m46s
